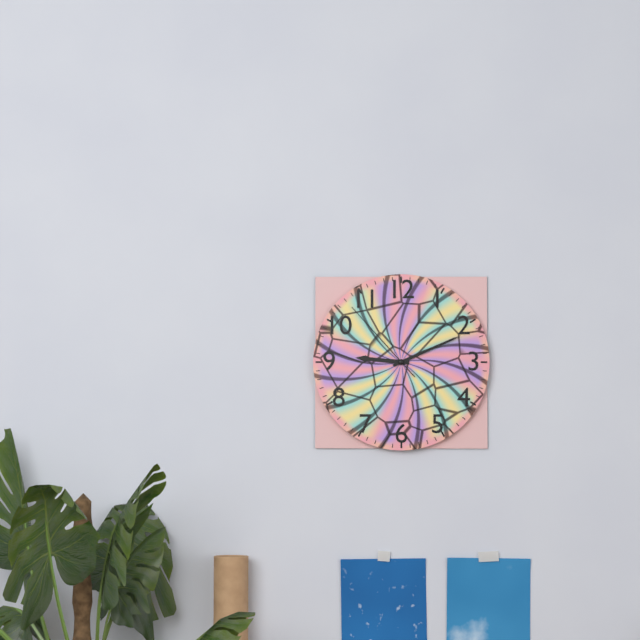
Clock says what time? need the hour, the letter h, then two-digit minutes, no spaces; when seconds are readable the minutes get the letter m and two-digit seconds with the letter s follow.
9h11m53s
